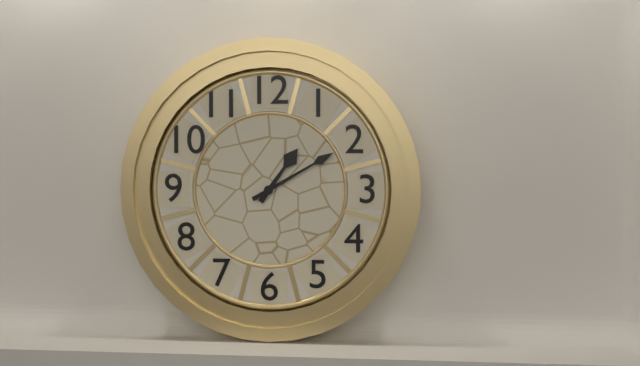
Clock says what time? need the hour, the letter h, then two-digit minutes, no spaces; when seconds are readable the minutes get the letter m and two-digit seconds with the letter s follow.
1h10
